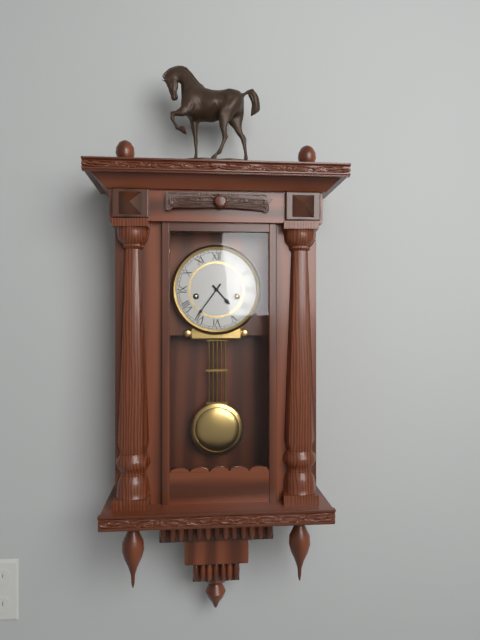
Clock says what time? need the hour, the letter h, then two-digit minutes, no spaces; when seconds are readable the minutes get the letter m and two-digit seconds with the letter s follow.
4h36
